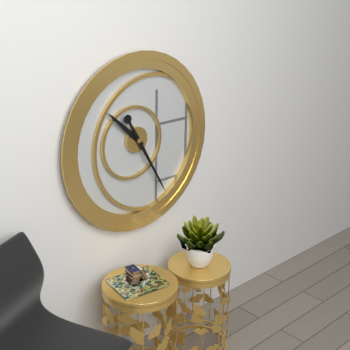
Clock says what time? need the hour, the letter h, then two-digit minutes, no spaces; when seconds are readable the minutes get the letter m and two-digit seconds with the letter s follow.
10h25
